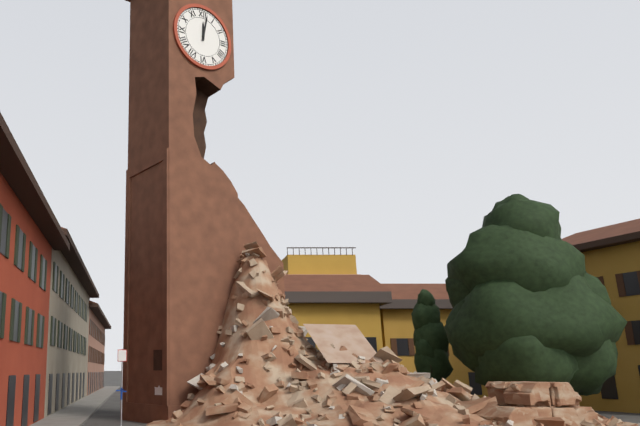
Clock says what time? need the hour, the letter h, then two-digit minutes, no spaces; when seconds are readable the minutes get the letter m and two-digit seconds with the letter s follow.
12h02
